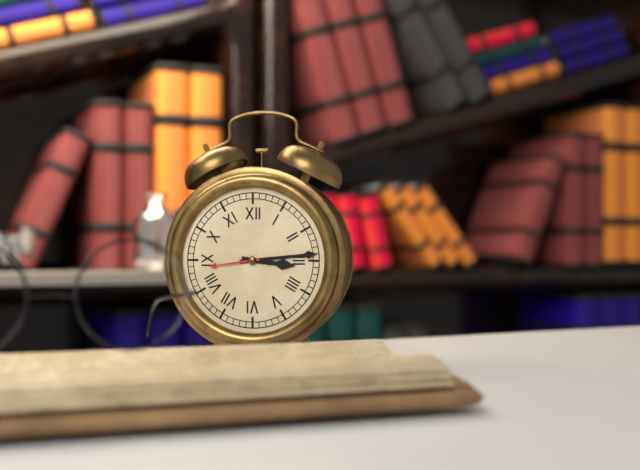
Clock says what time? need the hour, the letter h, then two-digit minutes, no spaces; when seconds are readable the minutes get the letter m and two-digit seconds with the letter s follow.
3h14
